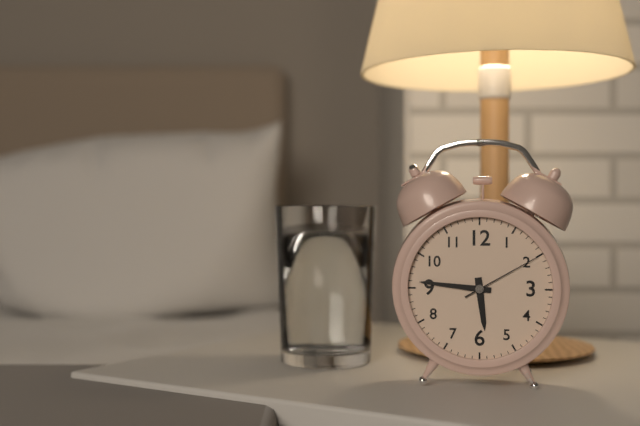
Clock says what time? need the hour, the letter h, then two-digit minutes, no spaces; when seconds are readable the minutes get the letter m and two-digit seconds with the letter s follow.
5h46m10s
